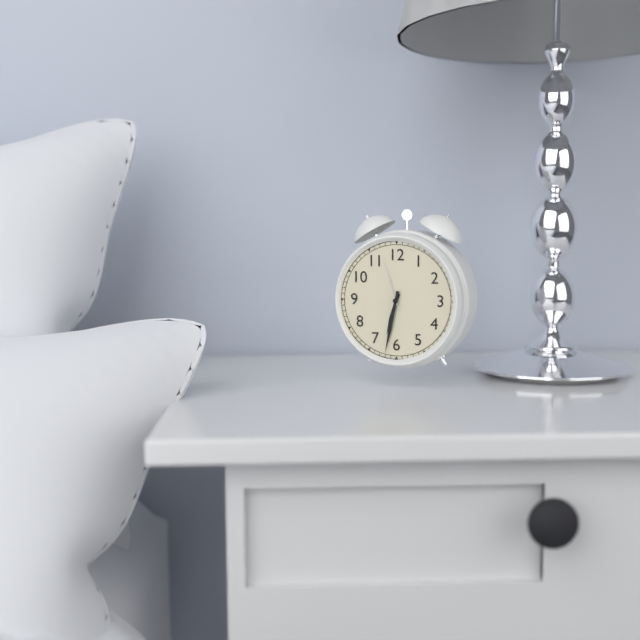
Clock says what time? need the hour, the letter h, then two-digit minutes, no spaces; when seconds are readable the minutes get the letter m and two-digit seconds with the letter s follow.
6h32m57s
